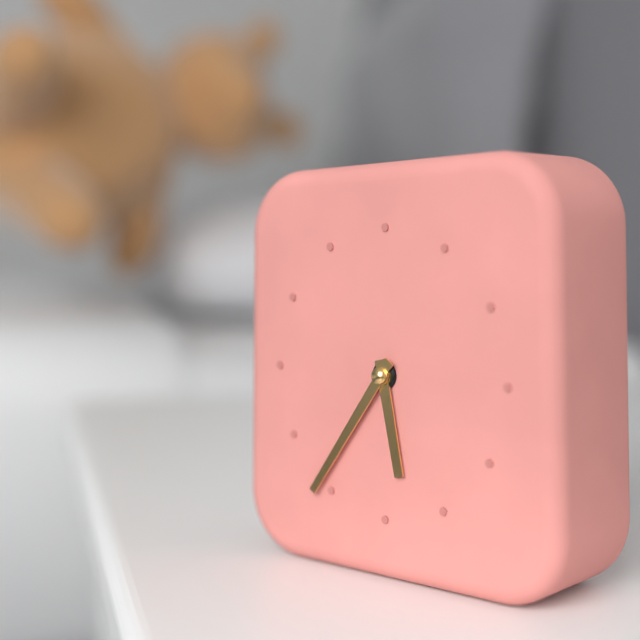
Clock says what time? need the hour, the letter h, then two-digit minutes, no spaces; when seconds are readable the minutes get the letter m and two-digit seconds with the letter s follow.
5h36
